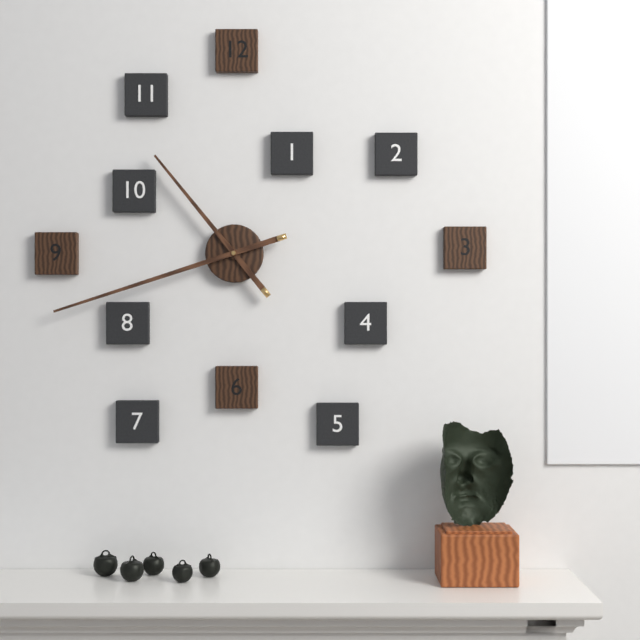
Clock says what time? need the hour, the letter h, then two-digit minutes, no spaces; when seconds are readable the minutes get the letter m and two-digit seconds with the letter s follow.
10h42
